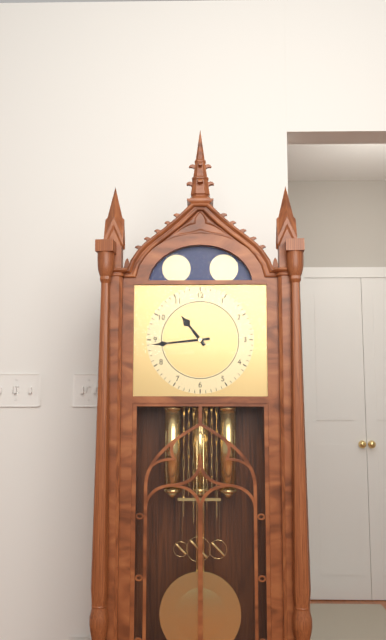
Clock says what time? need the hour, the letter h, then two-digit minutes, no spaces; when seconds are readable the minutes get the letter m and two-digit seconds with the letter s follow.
10h44
